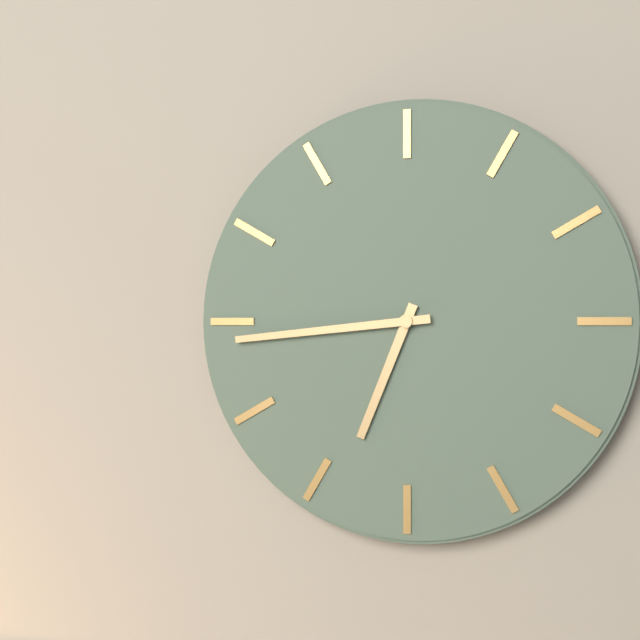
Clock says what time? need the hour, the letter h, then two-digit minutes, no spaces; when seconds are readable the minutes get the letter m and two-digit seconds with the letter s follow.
6h44
